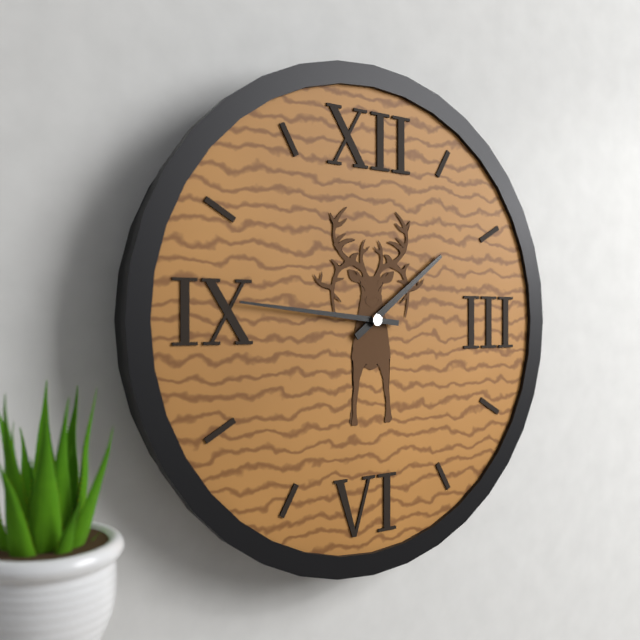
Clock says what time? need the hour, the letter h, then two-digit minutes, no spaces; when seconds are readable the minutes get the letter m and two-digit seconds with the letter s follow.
1h46
